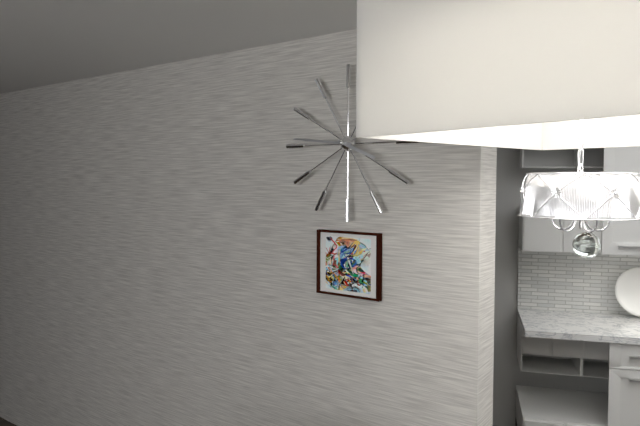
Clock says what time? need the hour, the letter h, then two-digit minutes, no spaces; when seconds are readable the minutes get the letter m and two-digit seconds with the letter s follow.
3h46
